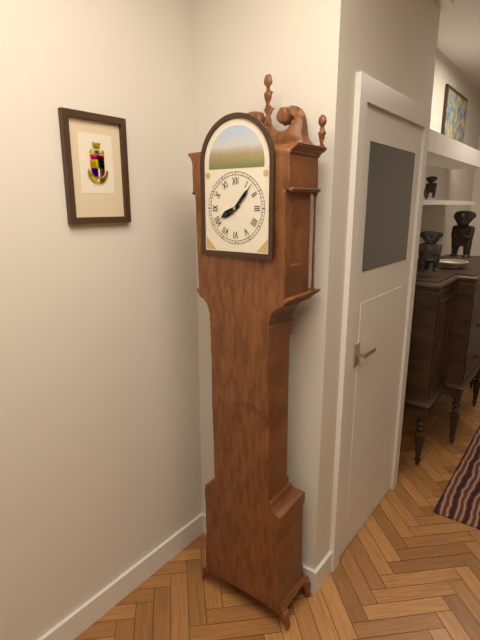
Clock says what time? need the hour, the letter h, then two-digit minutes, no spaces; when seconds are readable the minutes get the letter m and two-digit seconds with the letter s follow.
8h07
